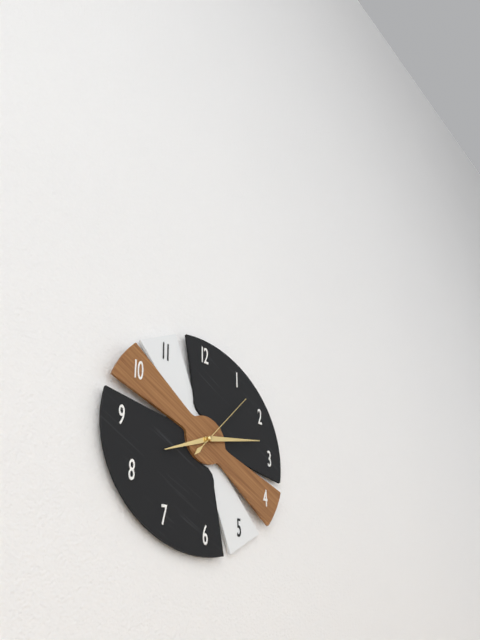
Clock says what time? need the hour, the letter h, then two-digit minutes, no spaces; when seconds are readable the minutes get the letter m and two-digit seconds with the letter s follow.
8h13m07s
